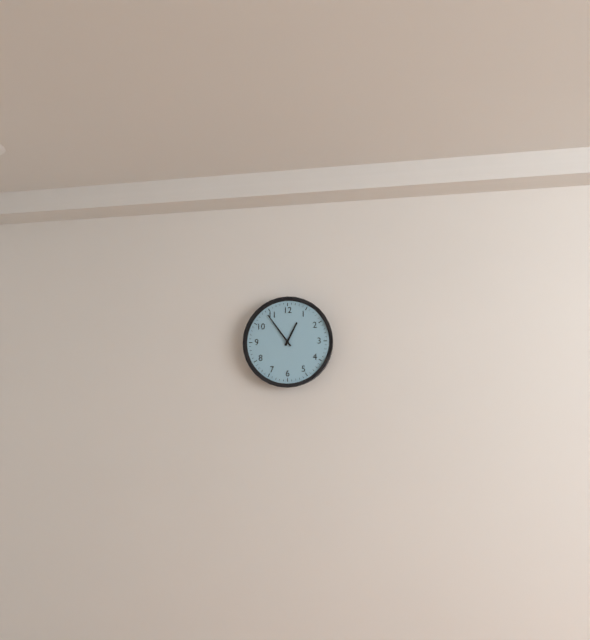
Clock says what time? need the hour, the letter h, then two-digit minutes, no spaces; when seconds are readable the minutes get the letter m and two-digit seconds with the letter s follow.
12h54
